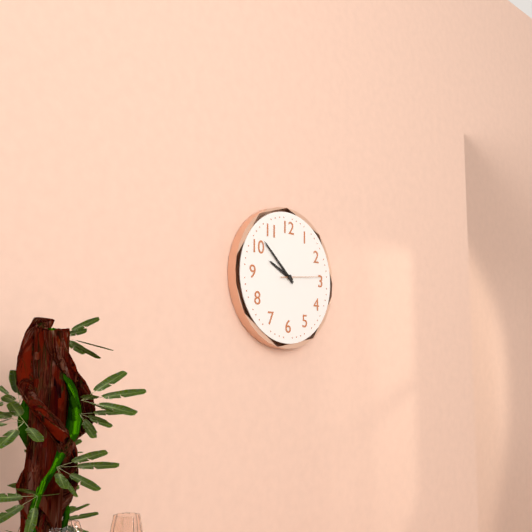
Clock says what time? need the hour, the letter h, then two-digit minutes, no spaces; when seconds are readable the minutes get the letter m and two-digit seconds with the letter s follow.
9h52
